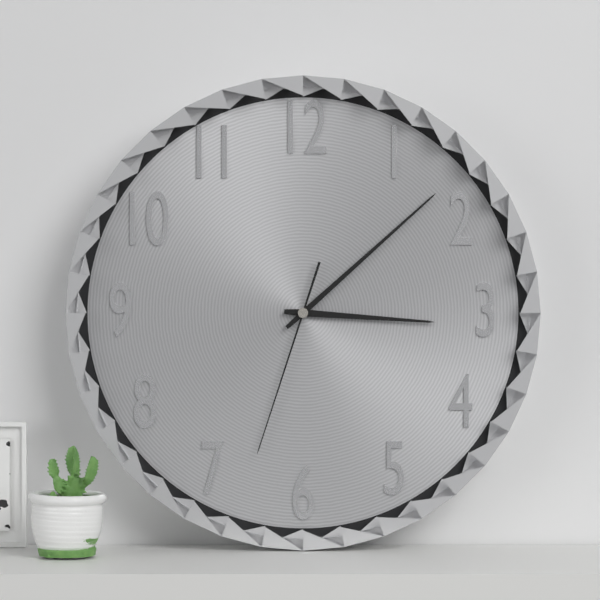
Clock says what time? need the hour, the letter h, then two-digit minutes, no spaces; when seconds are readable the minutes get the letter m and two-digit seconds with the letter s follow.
3h08m33s
